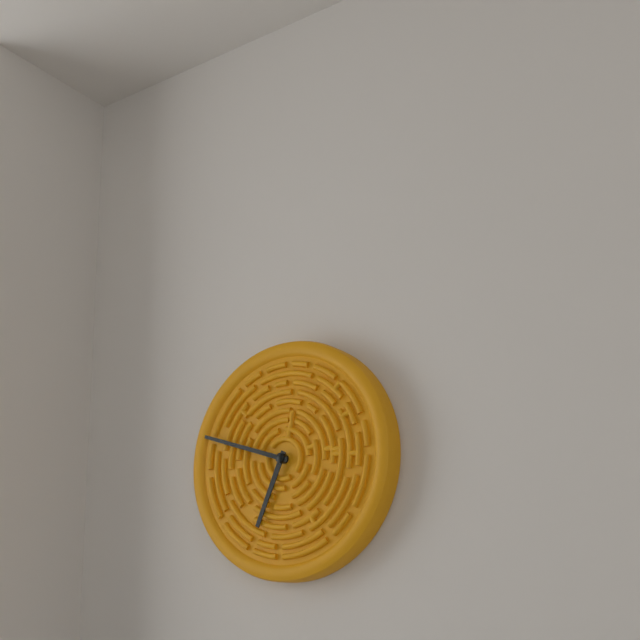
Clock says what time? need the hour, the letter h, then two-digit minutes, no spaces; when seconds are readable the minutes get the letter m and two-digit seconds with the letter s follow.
6h48
